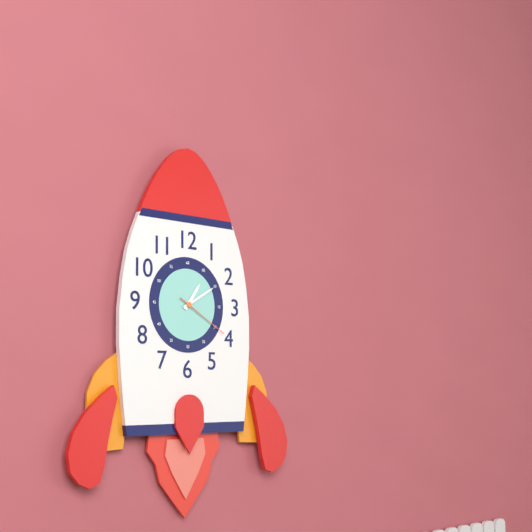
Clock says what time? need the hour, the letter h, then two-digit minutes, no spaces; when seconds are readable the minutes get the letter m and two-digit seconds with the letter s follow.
1h10m20s
